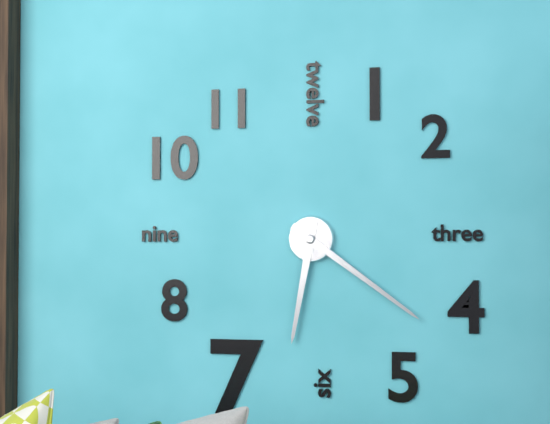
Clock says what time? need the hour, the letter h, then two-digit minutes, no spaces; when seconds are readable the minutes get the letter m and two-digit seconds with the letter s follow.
6h21
